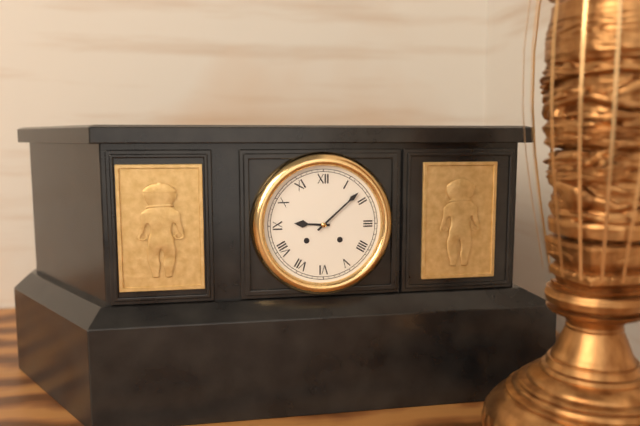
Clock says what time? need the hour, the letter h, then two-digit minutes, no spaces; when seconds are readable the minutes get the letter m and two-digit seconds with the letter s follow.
9h08
